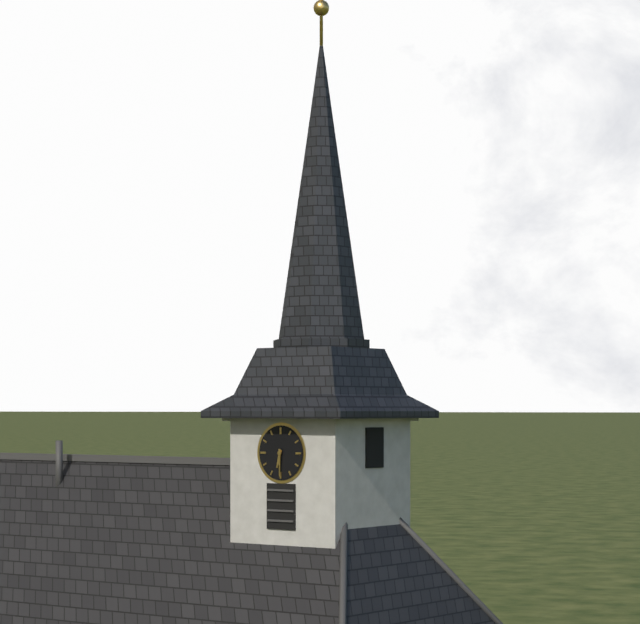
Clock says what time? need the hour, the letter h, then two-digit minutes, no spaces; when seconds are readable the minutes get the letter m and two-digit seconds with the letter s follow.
6h30
